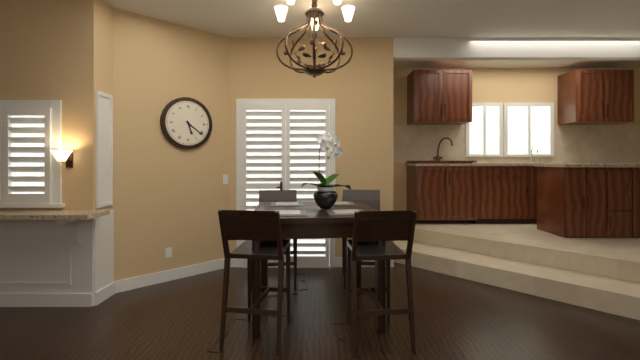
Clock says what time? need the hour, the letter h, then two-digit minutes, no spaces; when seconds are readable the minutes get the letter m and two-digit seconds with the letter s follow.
5h21
